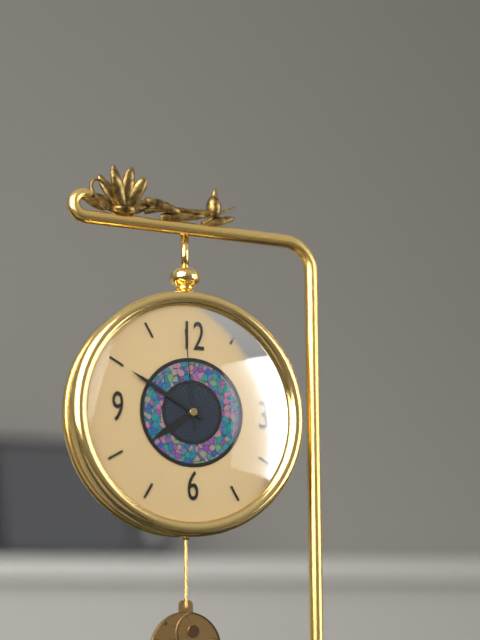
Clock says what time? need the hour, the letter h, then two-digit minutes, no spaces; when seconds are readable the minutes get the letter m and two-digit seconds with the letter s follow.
7h50m59s
